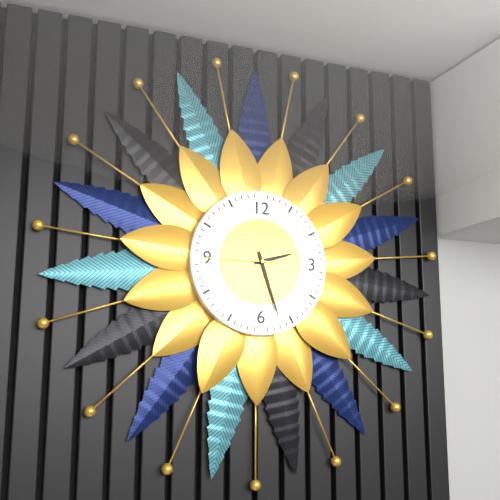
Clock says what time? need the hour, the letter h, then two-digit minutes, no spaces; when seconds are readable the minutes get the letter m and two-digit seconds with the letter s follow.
2h27m45s
